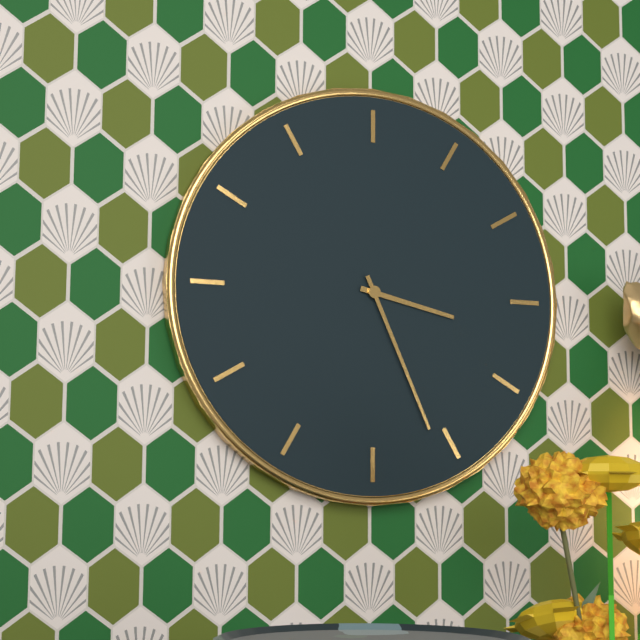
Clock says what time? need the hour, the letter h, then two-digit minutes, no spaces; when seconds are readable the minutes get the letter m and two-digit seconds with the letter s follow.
3h26
